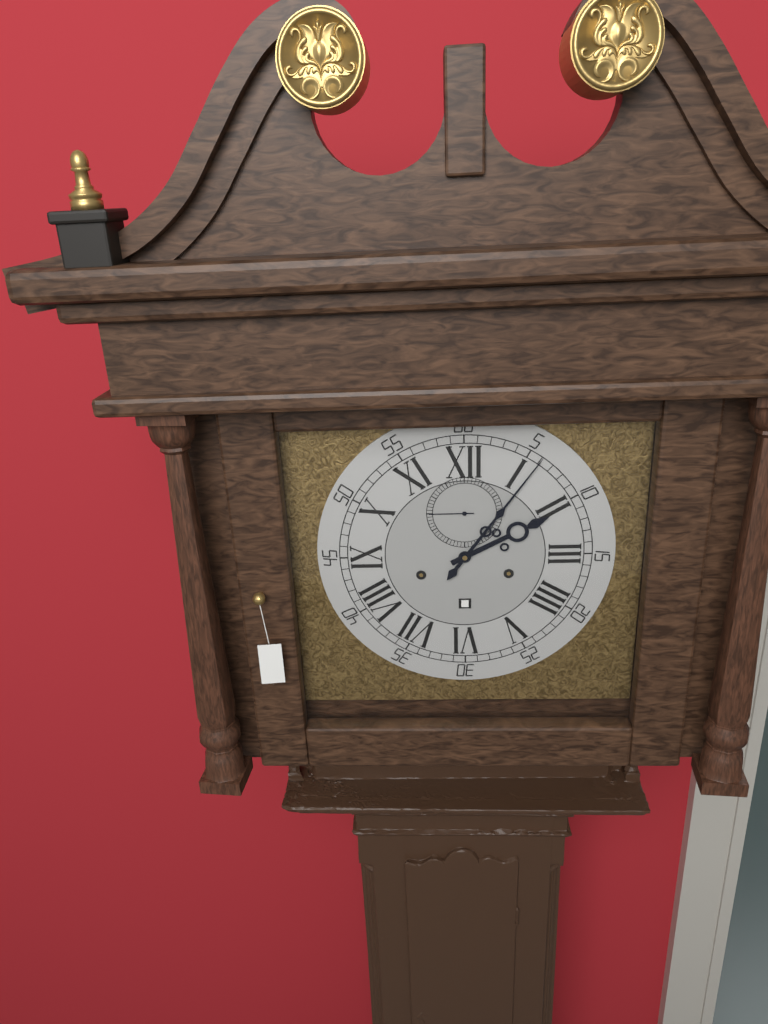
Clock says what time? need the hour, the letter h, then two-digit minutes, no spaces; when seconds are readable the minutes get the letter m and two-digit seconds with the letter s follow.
2h06
